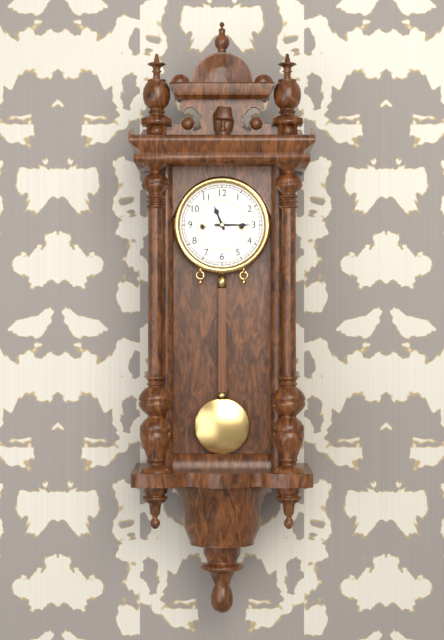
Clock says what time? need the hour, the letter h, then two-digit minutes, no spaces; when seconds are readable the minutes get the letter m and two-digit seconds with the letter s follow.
11h15
